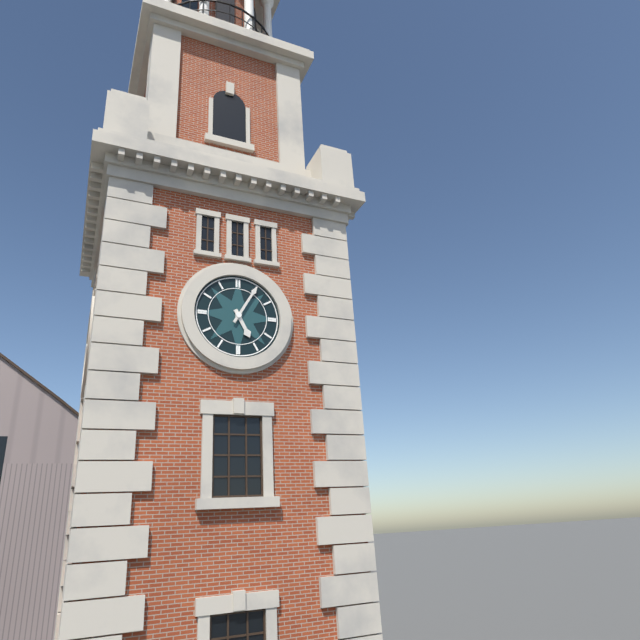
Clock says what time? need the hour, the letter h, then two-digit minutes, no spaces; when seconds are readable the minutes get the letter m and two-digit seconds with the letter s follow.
5h05
